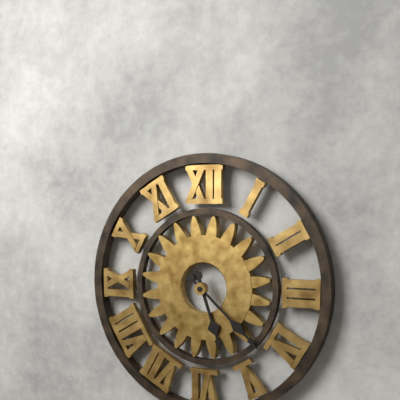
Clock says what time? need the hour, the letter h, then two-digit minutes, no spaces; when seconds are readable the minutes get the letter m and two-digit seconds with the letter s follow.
5h22
